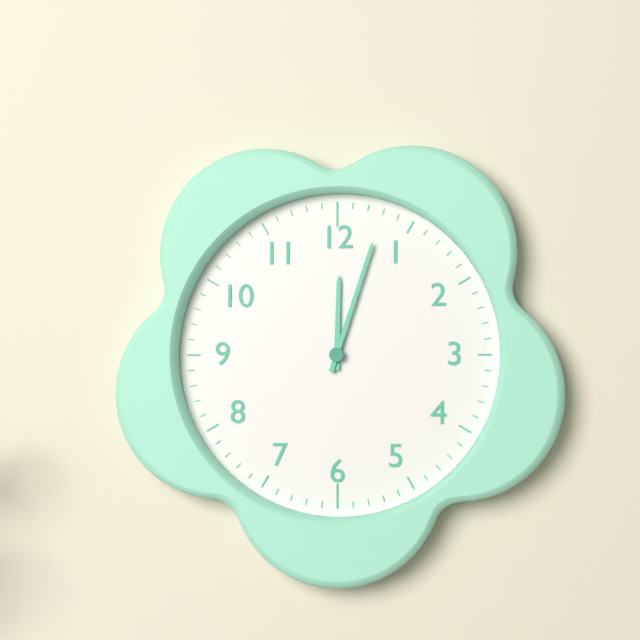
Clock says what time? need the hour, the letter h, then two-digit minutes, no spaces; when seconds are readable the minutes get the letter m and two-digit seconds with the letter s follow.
12h03
